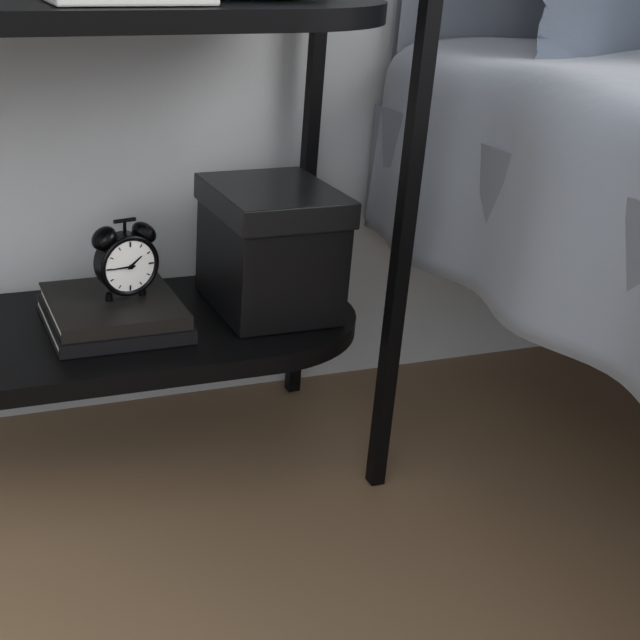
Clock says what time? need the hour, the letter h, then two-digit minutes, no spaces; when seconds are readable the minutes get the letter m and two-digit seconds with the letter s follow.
1h45
